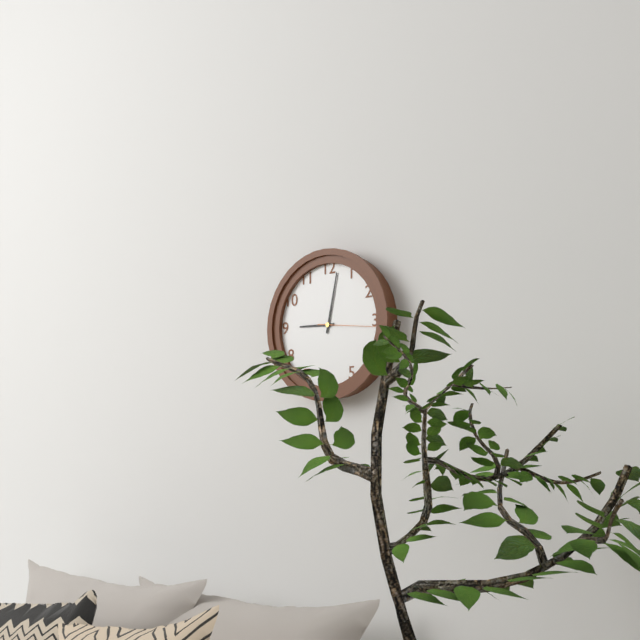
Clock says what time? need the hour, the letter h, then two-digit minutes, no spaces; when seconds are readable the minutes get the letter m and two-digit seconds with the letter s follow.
9h02m16s
